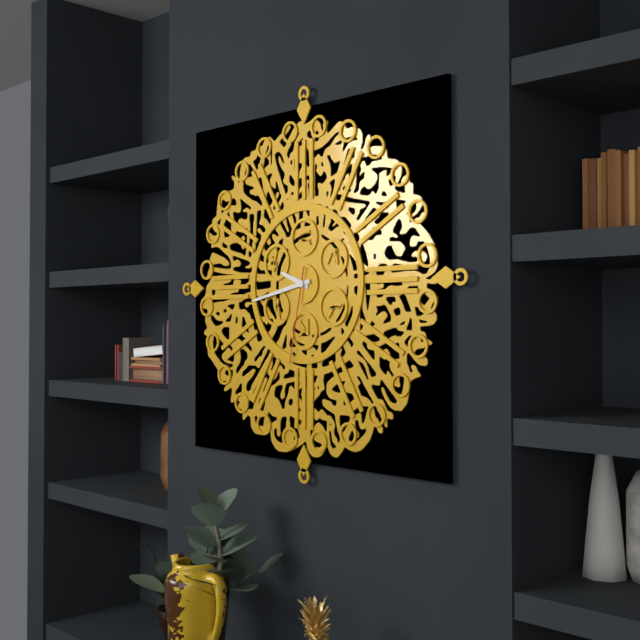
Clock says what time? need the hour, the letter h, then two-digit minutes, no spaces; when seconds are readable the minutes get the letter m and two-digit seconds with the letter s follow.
9h43m32s
